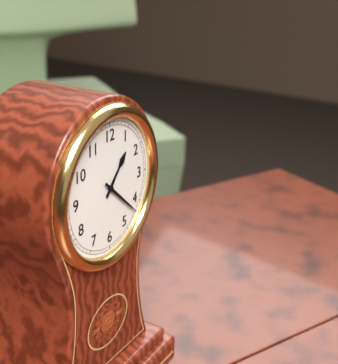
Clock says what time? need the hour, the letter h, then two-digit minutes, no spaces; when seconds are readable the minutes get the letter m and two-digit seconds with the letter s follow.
1h22
